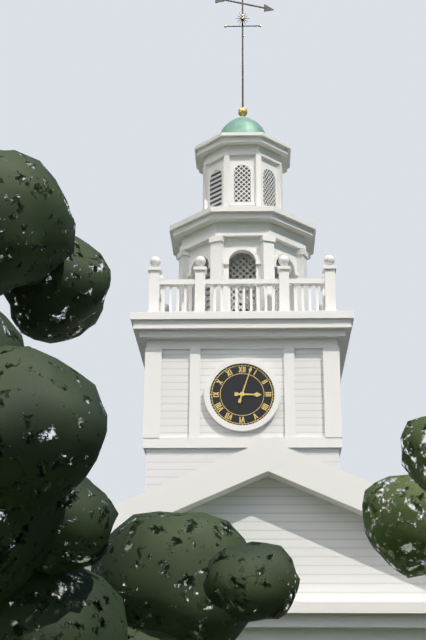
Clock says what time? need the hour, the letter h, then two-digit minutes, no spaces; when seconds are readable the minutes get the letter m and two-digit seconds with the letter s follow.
3h03
